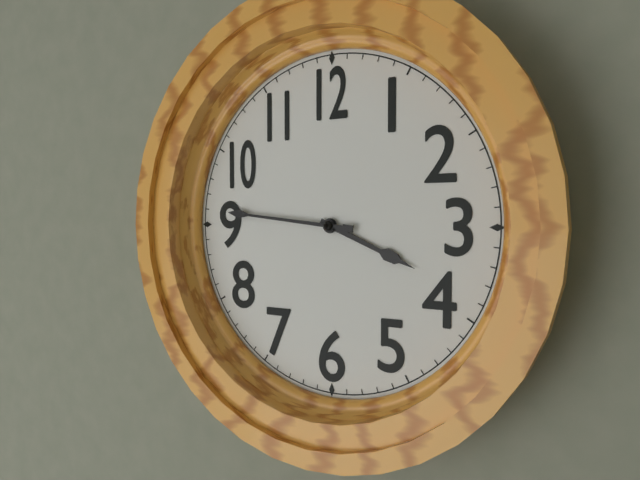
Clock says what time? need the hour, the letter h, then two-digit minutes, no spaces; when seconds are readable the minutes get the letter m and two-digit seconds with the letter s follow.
3h46
